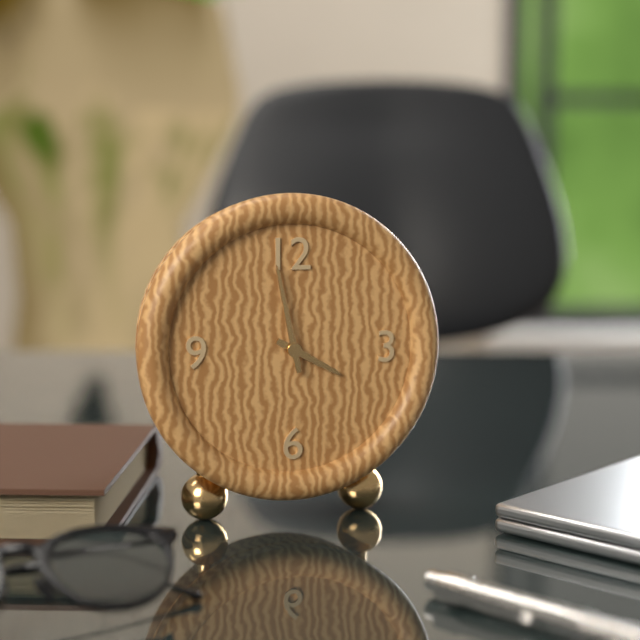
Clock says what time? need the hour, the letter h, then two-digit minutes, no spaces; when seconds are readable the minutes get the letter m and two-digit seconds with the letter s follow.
3h58
